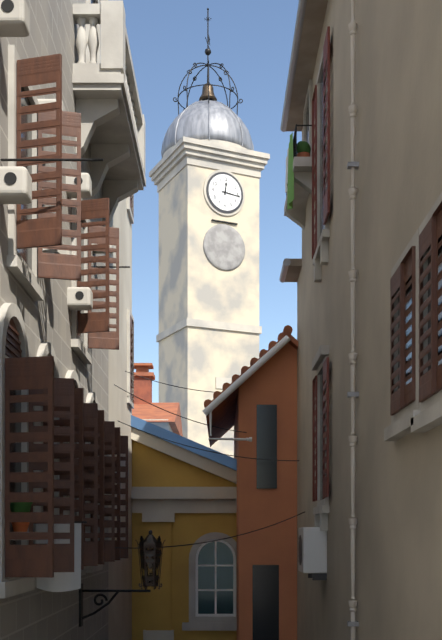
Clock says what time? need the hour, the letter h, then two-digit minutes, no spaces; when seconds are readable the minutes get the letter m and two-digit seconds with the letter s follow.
12h16
